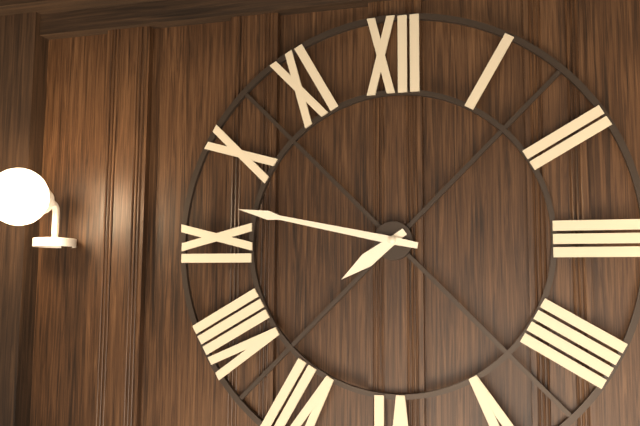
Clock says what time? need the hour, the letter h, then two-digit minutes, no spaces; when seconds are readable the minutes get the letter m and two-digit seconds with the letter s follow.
7h47
